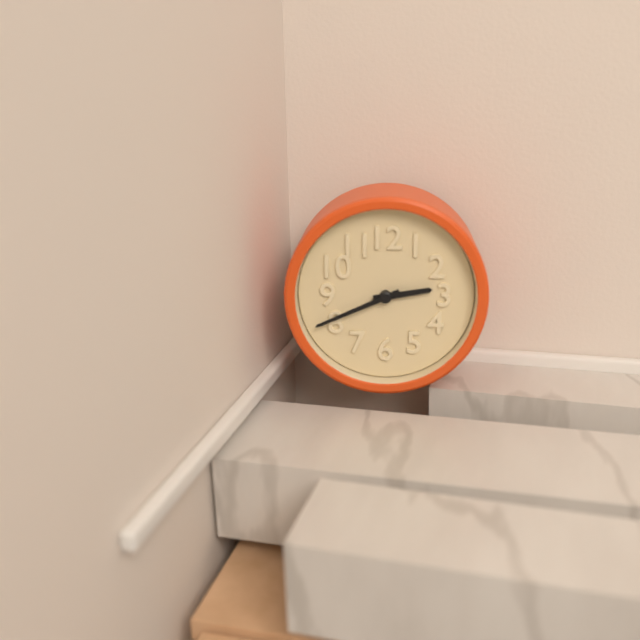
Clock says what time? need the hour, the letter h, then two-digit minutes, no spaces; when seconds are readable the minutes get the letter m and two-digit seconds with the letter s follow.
2h41
